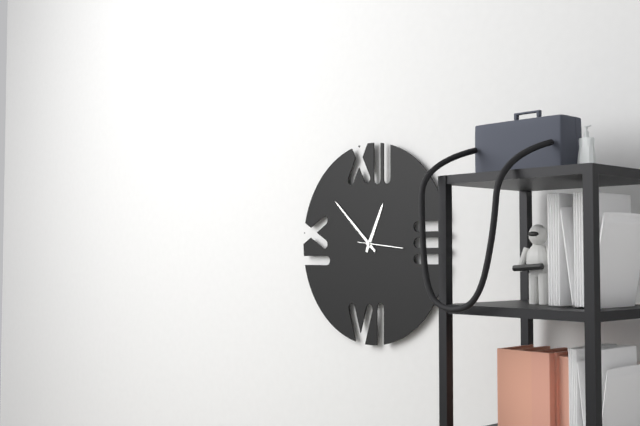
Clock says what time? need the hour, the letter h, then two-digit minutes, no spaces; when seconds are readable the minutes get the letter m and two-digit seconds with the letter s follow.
12h52
